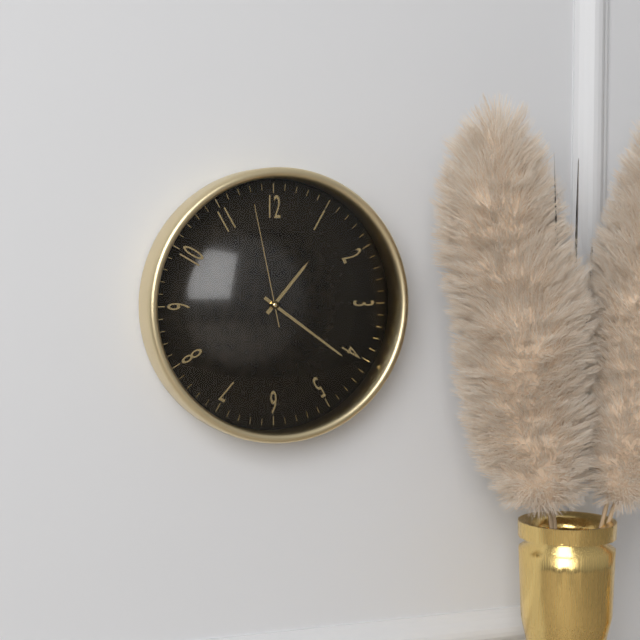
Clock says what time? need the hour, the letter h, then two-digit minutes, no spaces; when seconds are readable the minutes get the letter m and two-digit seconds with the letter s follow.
1h21m58s
